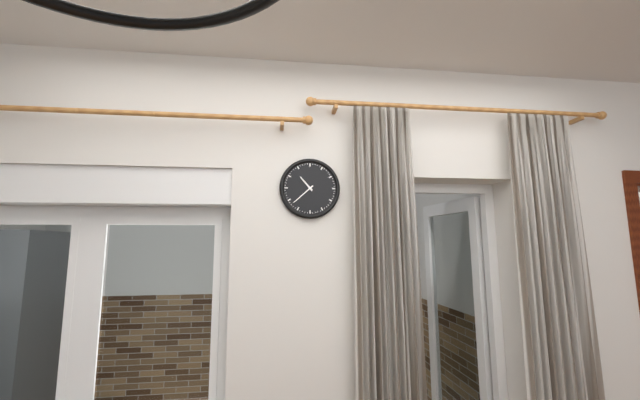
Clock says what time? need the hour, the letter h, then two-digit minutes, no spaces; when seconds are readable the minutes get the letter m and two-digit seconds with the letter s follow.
10h38
